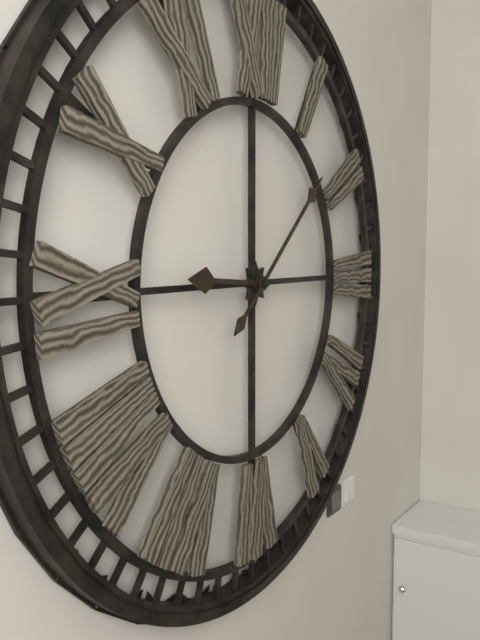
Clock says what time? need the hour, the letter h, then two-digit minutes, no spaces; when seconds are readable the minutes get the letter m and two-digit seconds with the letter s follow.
9h08
